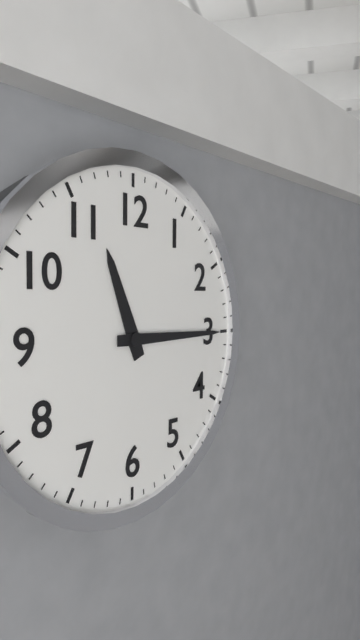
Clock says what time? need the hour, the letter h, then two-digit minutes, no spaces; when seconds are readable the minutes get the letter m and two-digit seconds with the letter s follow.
11h15
